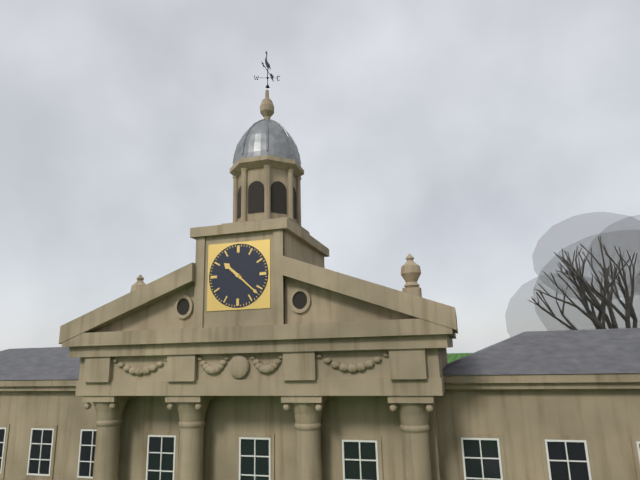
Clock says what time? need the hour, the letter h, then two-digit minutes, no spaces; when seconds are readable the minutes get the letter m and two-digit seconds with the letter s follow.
10h22
